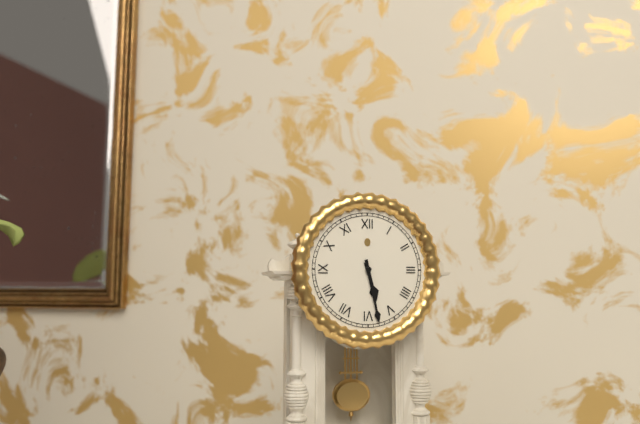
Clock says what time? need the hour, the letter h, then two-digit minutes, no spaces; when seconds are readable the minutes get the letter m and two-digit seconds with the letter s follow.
5h28
